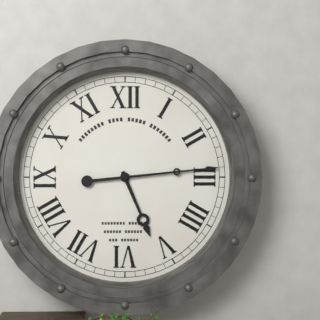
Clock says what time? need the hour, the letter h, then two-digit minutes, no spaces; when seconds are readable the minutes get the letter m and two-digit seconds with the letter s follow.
5h14
